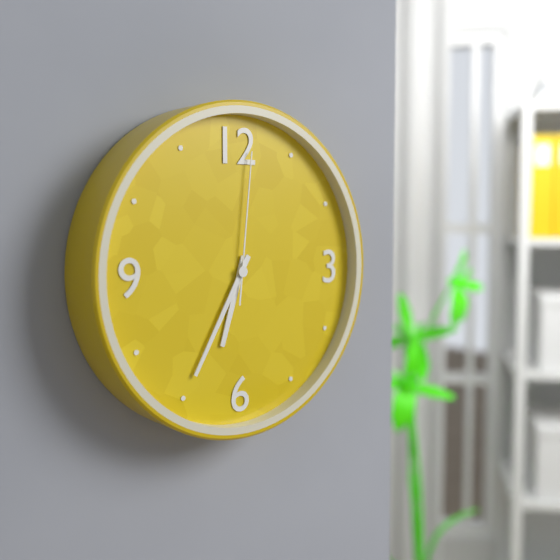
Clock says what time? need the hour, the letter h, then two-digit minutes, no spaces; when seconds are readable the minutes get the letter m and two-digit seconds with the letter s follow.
6h35m01s
